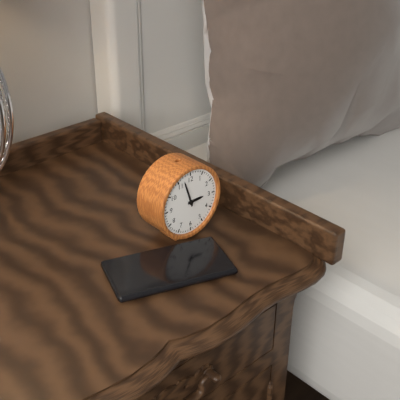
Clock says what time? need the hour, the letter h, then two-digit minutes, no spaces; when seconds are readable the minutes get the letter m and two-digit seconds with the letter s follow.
2h57
